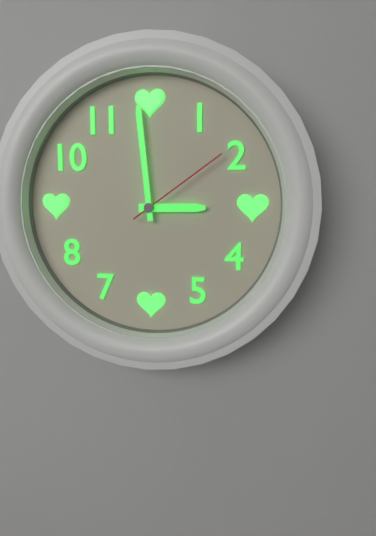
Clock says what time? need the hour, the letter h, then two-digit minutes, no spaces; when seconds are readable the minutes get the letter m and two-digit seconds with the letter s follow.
2h59m09s
